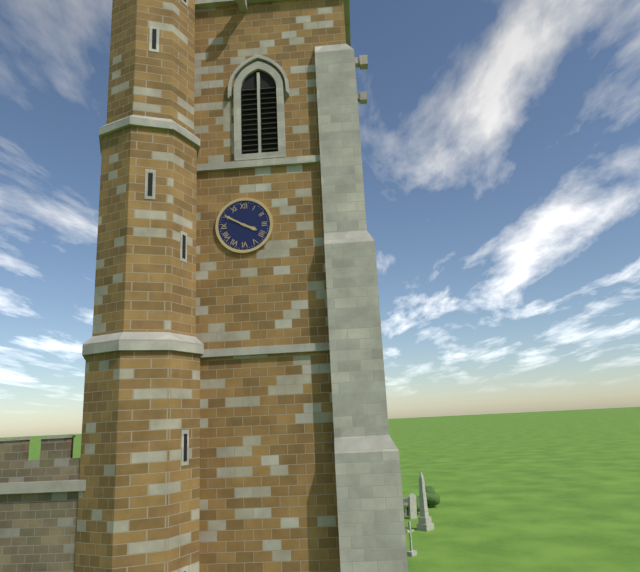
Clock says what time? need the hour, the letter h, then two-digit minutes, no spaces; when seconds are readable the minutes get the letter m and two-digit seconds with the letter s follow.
3h50
